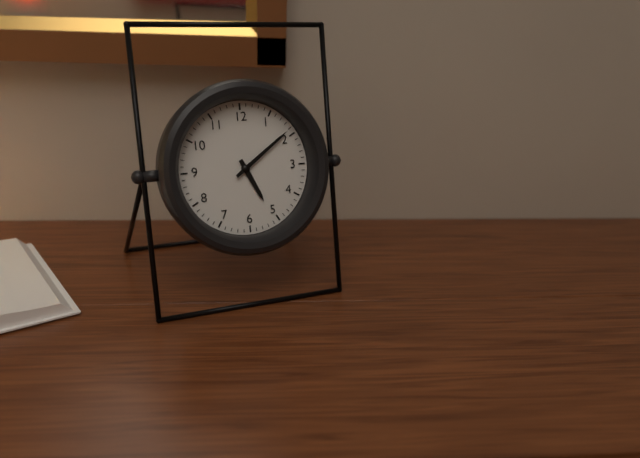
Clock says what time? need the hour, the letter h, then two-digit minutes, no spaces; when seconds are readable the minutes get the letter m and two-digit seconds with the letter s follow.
5h09
